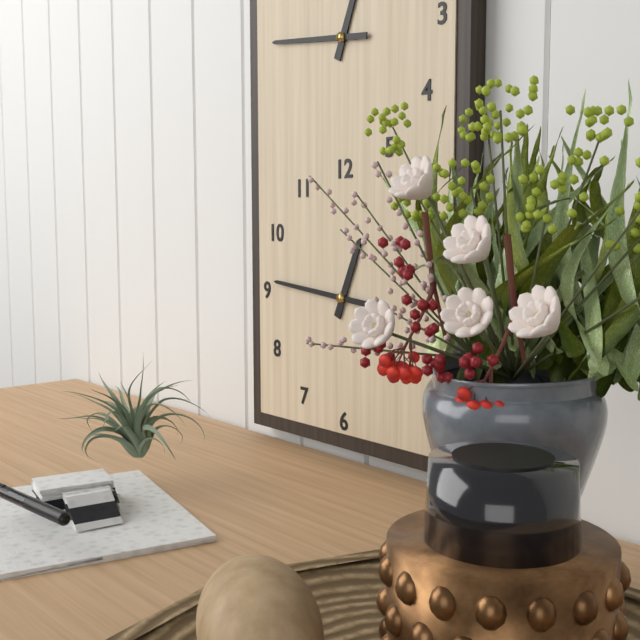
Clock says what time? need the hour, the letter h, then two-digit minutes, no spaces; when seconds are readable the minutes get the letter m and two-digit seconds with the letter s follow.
12h46
